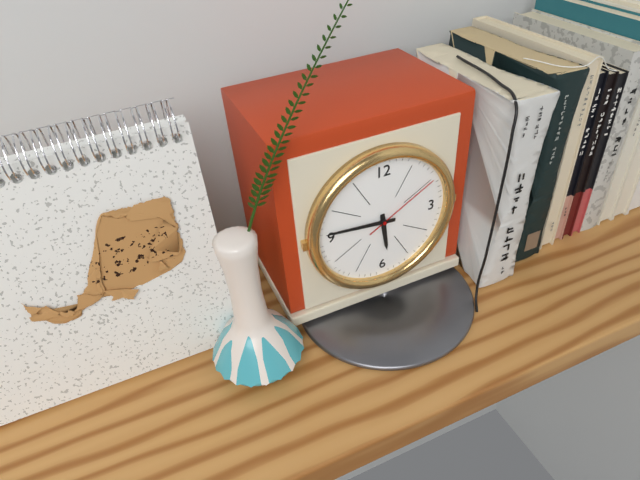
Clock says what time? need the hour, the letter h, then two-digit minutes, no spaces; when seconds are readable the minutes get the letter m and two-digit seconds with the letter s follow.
5h46m10s
